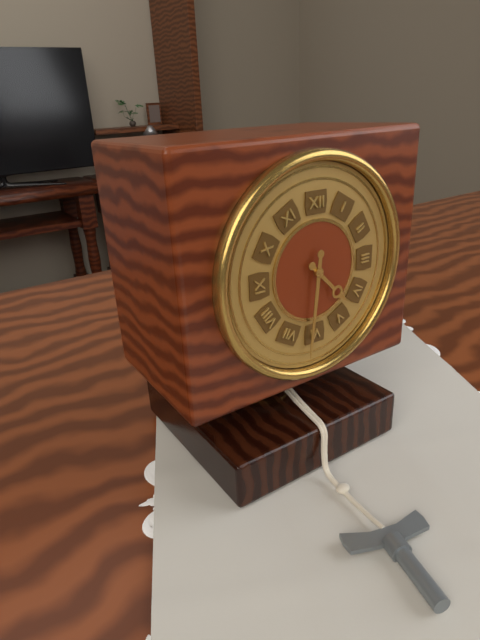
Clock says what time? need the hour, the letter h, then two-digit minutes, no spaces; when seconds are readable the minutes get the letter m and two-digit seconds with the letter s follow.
4h31
